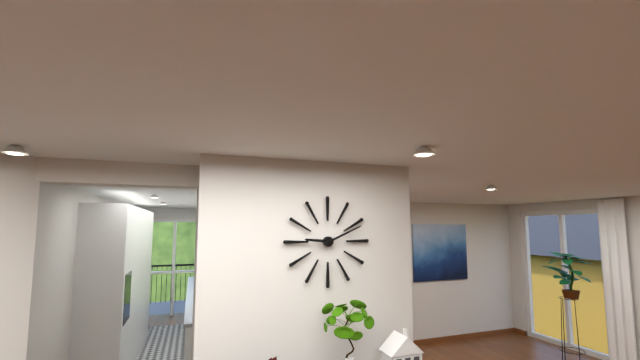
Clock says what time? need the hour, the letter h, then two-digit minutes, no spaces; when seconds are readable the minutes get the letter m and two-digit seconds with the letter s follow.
9h11
